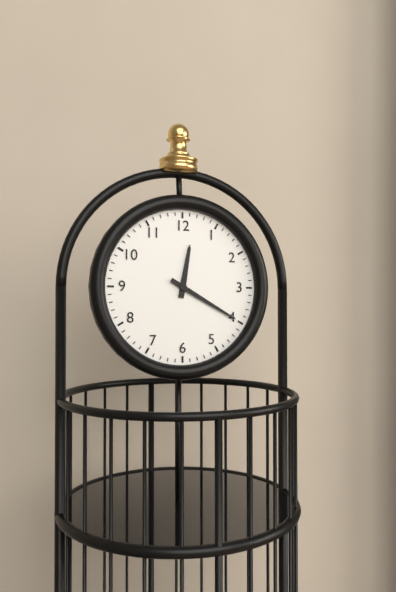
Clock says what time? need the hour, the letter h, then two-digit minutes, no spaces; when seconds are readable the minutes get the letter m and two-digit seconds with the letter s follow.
12h20
